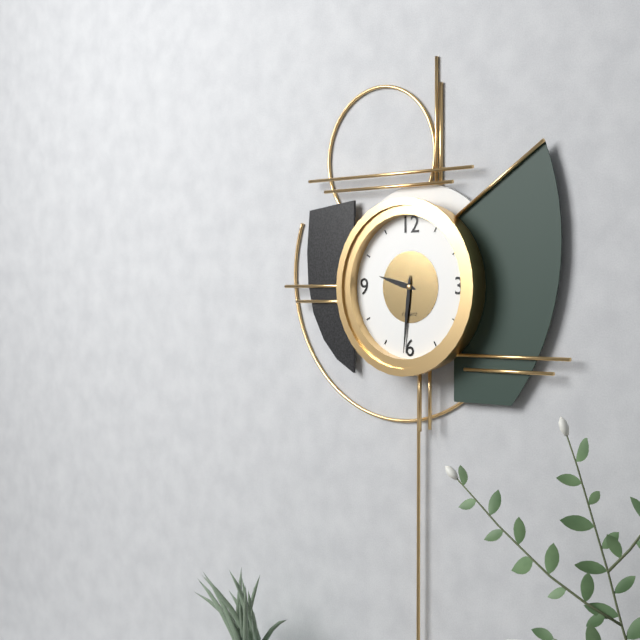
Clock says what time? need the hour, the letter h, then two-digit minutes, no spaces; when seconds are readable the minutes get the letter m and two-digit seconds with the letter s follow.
9h31
